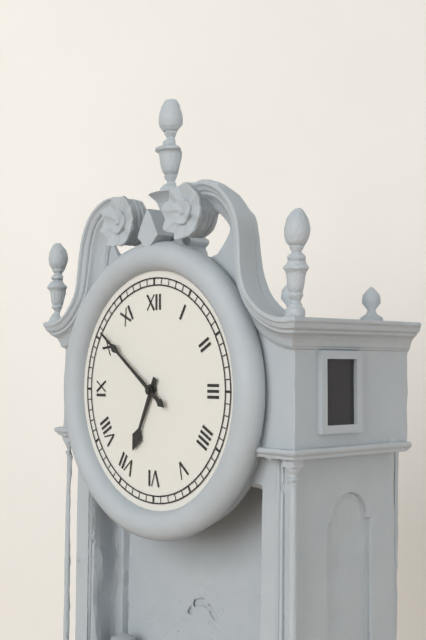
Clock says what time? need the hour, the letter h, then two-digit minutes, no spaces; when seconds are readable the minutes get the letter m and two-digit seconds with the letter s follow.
6h51
